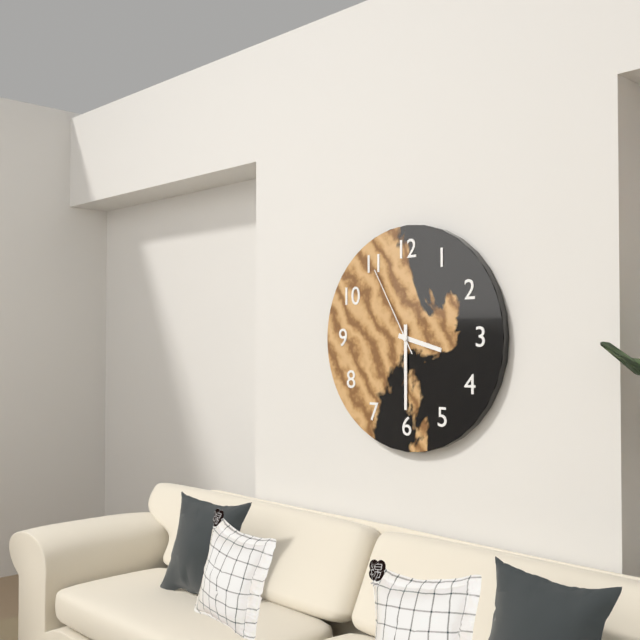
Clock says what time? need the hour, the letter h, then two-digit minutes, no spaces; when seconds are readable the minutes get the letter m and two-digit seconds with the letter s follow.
3h30m55s
